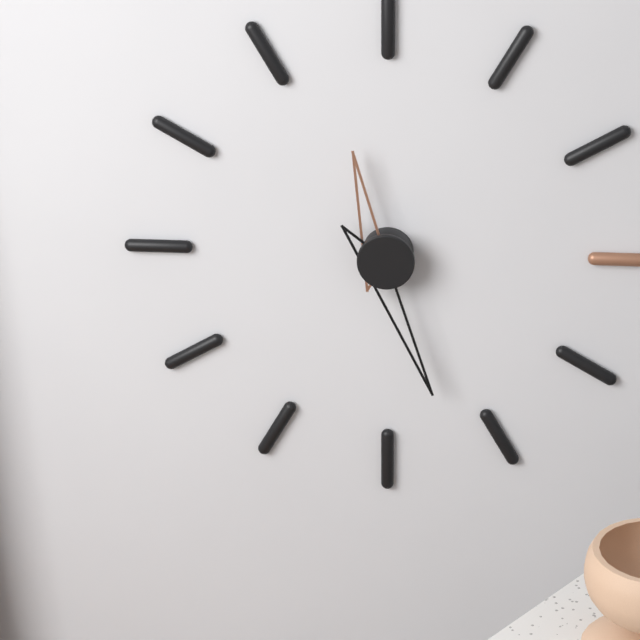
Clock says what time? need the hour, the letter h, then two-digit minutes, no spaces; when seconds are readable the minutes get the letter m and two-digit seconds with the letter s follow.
11h27
